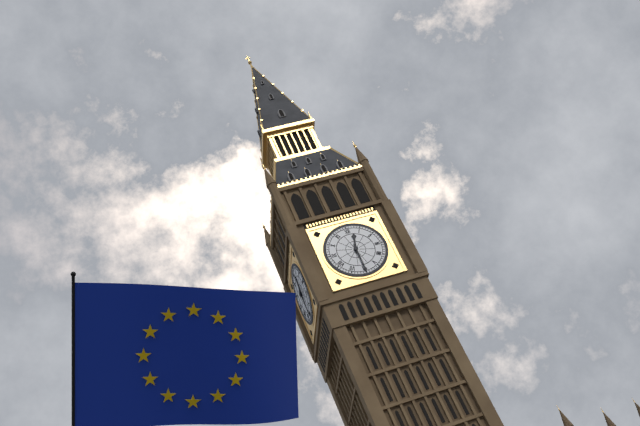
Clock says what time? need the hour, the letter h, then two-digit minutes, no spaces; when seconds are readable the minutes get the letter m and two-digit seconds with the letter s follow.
12h30
